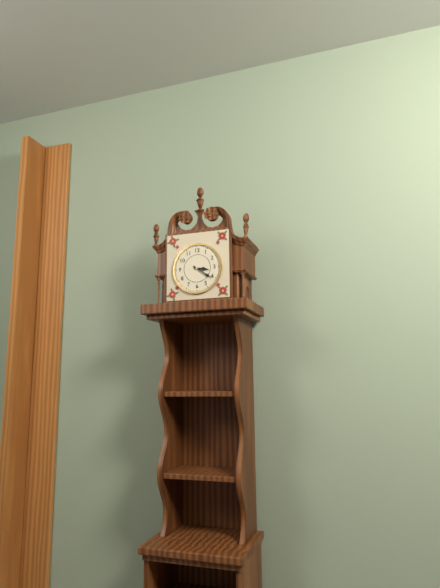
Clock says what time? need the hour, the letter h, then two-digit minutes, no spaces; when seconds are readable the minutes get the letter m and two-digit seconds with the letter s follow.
3h21
